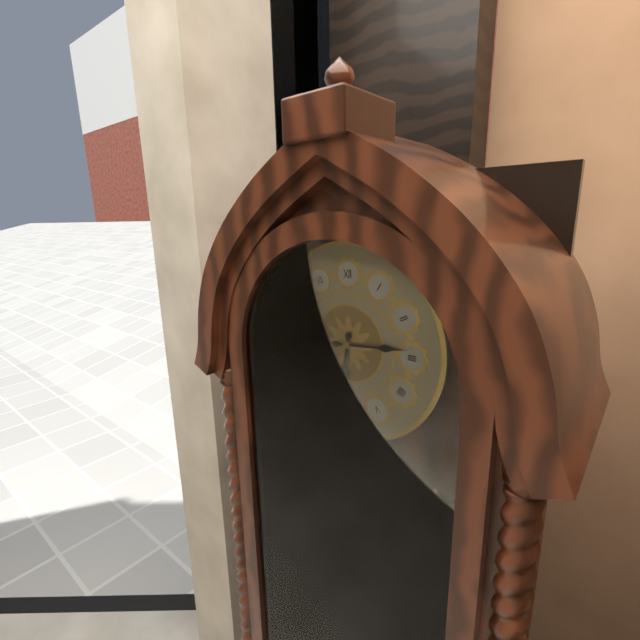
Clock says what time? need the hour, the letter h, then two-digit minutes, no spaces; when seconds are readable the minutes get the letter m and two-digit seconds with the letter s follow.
6h14
